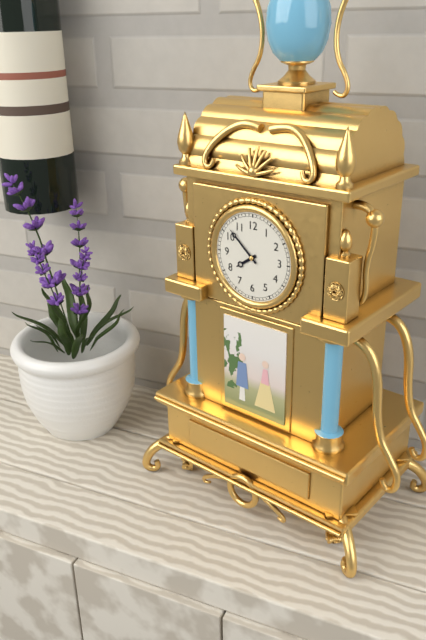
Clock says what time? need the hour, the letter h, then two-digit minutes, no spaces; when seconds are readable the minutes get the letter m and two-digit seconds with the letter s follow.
7h52
